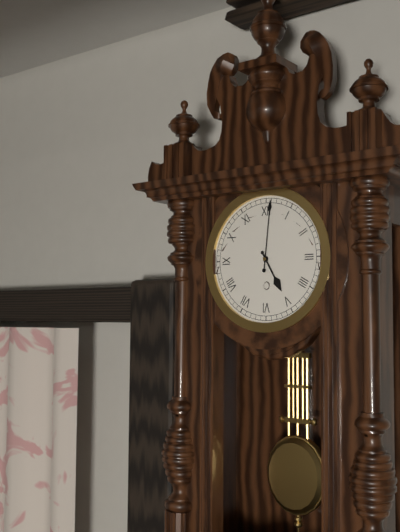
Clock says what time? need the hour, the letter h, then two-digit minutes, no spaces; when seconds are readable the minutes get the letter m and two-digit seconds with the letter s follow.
5h01
